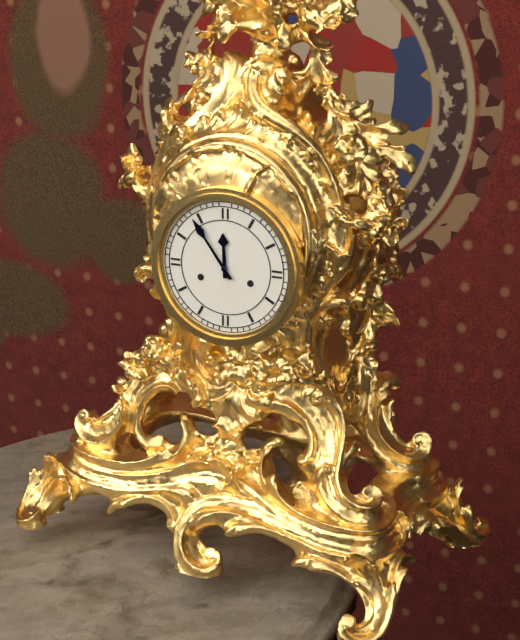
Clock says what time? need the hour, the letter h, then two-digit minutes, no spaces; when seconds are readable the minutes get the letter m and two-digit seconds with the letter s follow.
11h54
